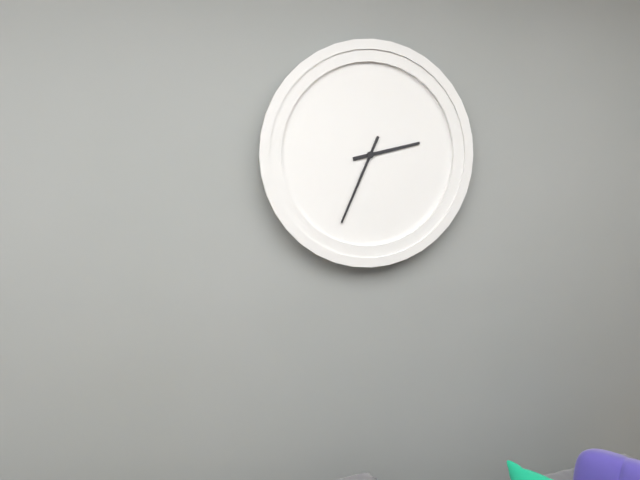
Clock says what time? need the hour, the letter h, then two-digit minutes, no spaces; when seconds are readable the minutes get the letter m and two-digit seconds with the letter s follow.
2h34
